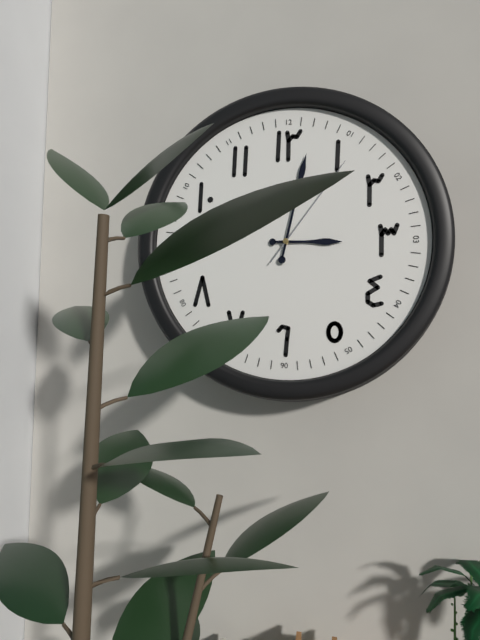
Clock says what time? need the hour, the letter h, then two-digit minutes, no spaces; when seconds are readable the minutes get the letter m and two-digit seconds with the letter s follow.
3h02m06s
